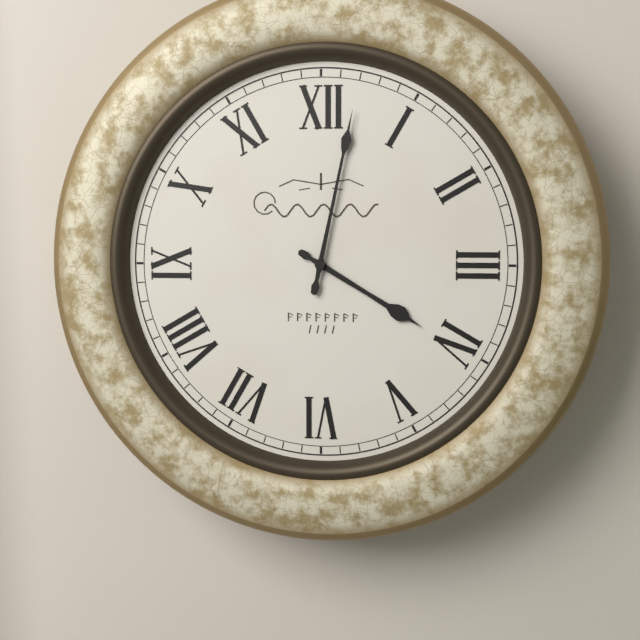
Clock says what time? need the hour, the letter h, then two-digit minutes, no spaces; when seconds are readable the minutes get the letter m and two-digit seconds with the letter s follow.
4h02
